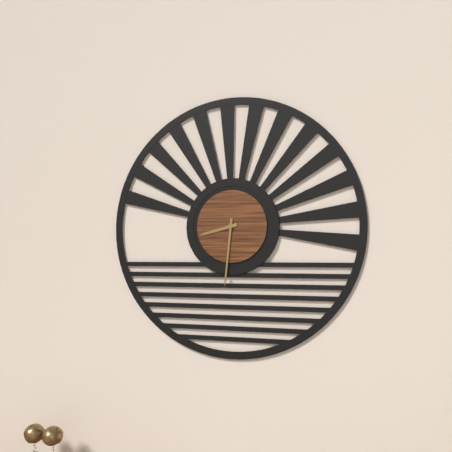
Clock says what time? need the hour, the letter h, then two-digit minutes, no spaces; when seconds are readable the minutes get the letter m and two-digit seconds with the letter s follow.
8h31
